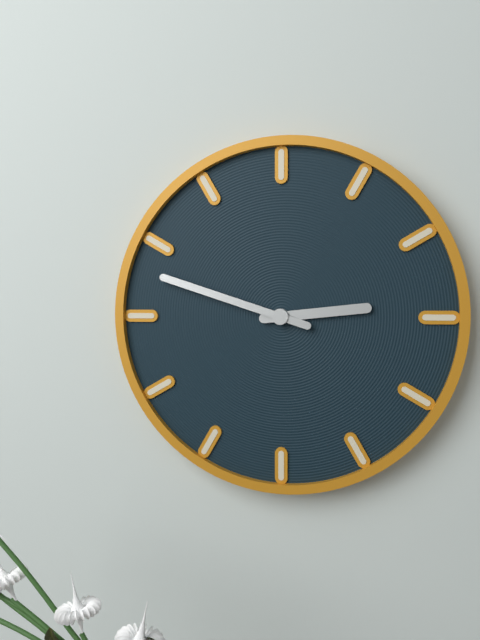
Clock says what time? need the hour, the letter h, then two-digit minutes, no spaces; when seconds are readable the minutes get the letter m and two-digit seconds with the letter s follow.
2h48
